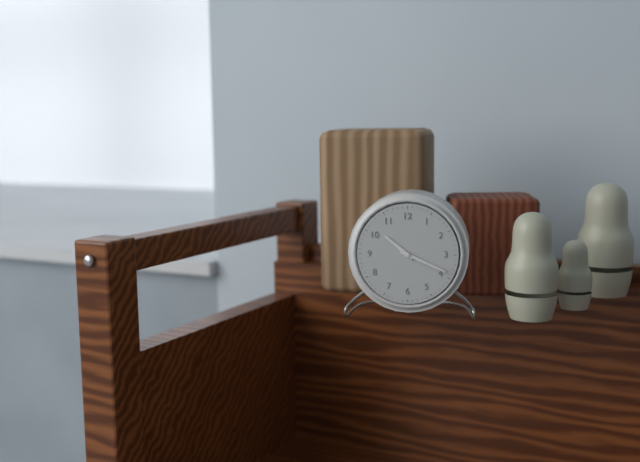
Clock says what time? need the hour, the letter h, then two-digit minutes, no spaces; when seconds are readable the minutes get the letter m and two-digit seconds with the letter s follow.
10h19
